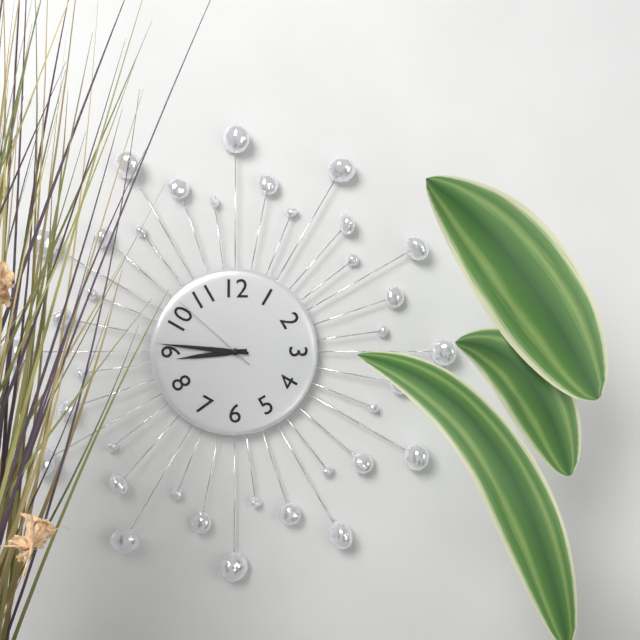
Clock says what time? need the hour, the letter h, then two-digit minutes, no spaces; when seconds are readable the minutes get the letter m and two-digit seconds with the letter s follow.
8h46m52s
